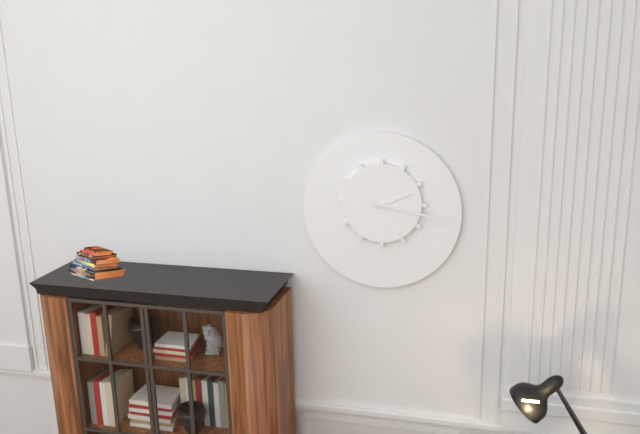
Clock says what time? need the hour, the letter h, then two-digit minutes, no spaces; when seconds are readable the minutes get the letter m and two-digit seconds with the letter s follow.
2h17
